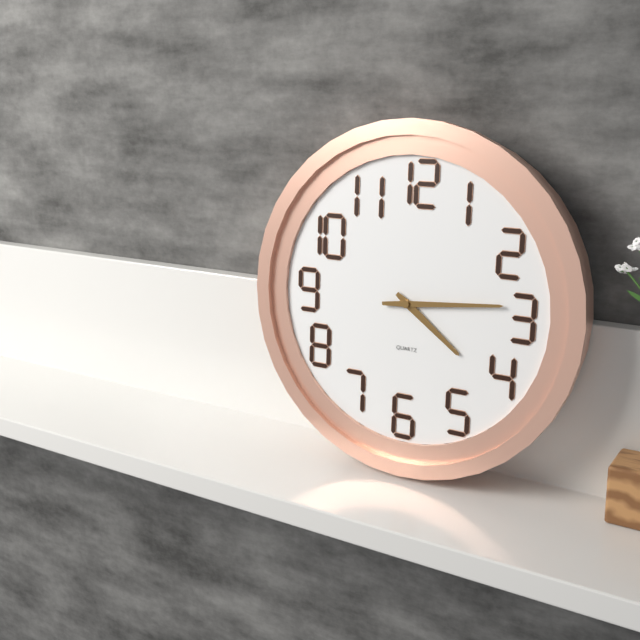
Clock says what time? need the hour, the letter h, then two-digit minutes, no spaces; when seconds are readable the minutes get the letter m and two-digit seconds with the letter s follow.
4h14
